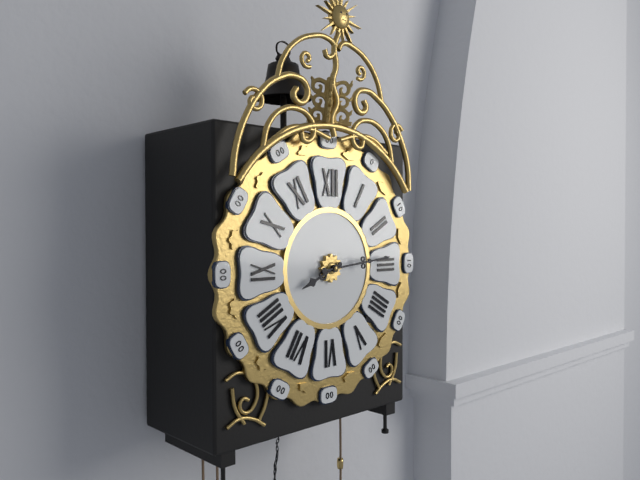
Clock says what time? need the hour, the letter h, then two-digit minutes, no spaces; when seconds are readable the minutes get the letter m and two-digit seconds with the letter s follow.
8h14
